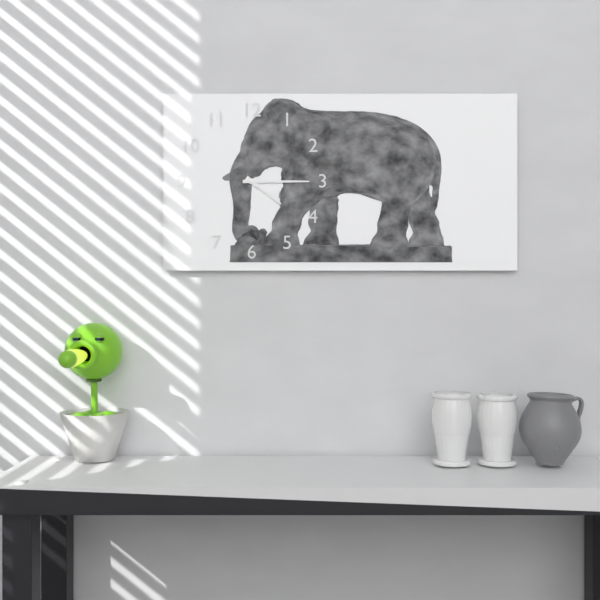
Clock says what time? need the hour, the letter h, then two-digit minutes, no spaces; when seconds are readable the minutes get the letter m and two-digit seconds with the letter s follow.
4h15
